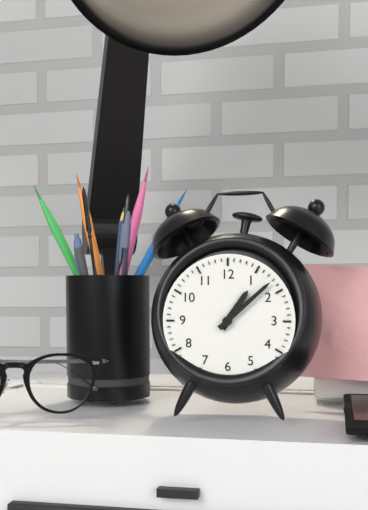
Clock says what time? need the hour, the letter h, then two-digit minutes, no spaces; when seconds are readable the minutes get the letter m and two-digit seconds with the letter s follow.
1h08
